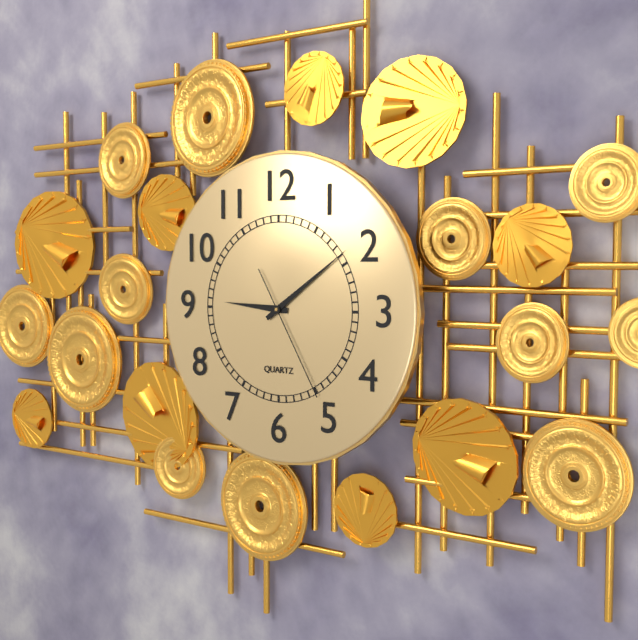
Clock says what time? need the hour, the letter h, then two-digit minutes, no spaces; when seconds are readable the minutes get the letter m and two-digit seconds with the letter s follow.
9h09m25s
